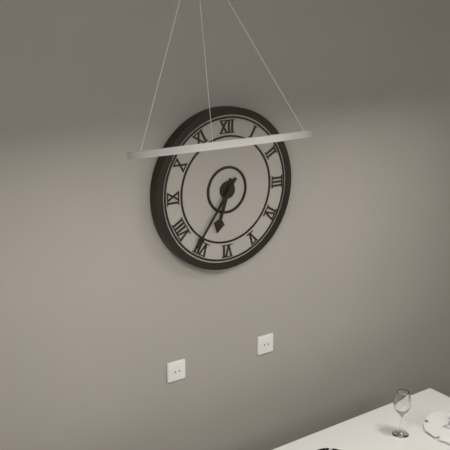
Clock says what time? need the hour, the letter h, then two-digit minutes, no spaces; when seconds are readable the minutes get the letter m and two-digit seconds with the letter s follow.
6h36
